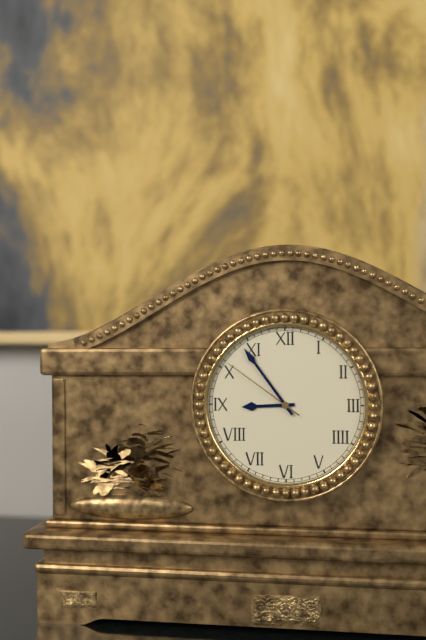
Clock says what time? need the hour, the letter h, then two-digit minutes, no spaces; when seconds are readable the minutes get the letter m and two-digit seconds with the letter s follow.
8h54m51s
